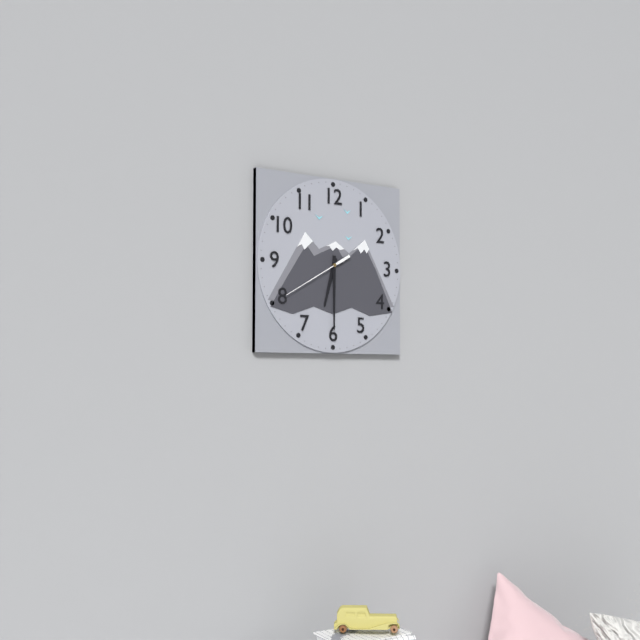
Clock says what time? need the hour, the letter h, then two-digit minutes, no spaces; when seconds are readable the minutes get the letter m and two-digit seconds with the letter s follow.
6h30m40s
